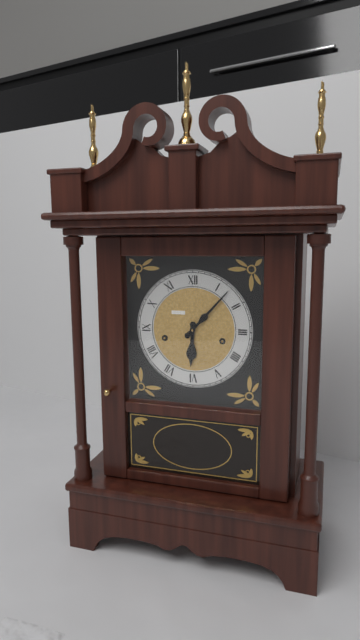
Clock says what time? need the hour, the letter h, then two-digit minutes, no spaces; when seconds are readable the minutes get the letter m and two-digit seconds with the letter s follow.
6h07
